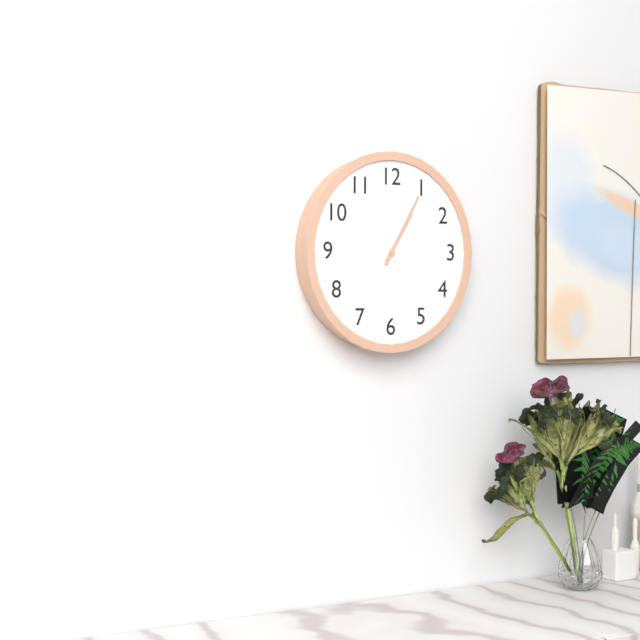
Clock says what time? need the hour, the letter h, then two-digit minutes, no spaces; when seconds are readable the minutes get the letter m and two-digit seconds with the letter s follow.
1h05
